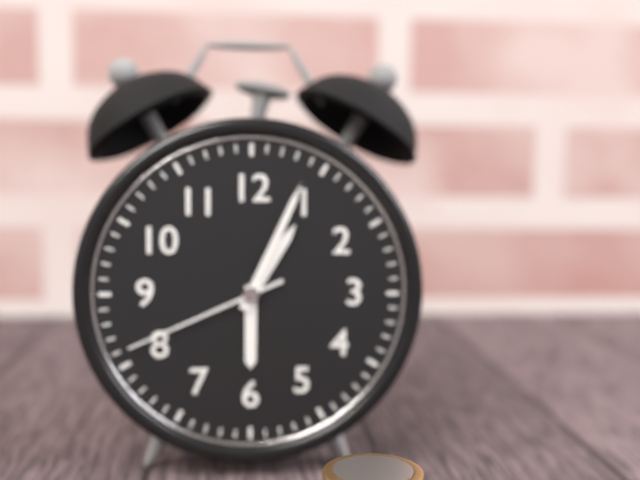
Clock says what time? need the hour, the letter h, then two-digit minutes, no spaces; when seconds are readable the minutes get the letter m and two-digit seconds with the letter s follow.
1h04m41s
